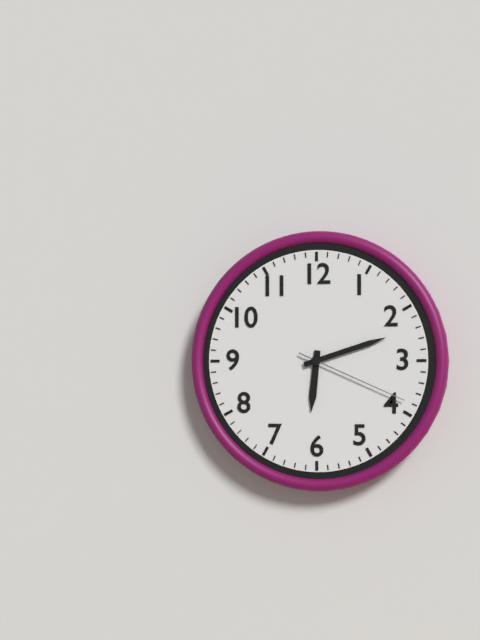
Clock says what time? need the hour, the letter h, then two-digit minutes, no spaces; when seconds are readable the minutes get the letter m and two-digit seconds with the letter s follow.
6h12m19s
